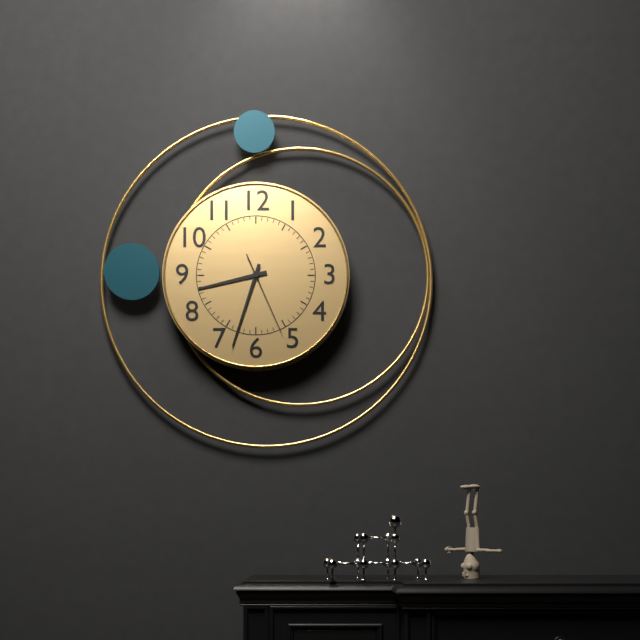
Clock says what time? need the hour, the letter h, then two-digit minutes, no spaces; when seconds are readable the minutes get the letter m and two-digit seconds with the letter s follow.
8h33m26s
